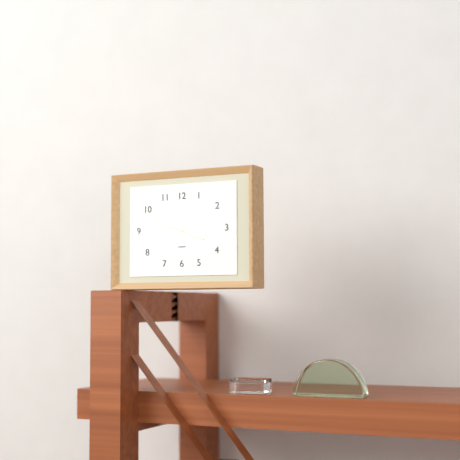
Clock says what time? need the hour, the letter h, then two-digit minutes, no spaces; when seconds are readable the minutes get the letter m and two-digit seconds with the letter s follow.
3h48
